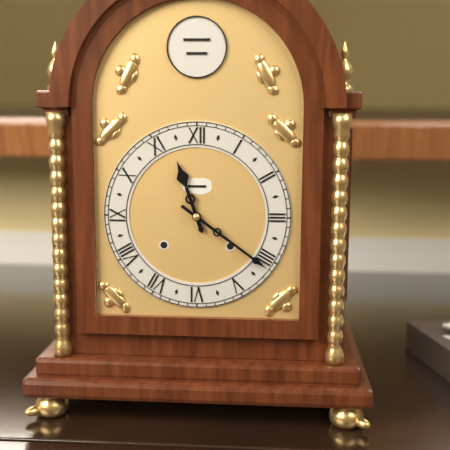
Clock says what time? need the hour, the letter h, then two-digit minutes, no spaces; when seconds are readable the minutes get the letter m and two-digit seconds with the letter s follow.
11h21
